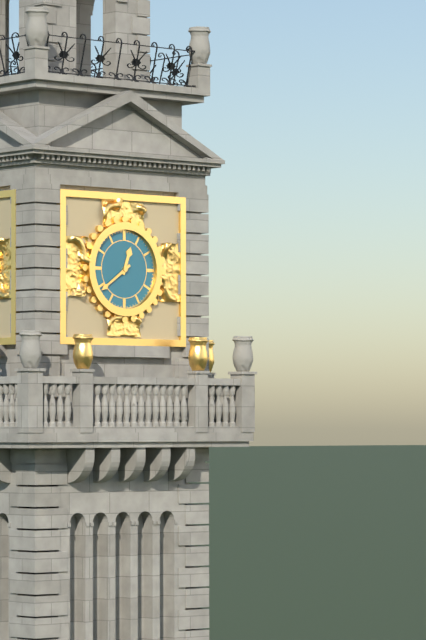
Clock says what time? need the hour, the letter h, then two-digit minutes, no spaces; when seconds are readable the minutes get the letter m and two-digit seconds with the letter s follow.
12h39
